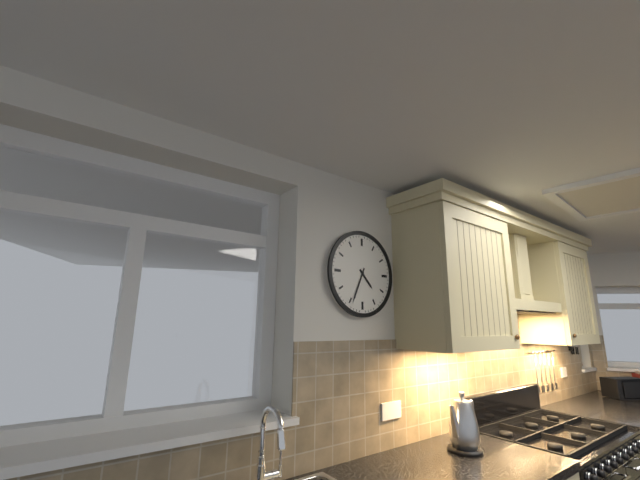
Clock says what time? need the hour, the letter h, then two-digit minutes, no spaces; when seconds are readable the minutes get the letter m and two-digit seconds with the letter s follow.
4h34
